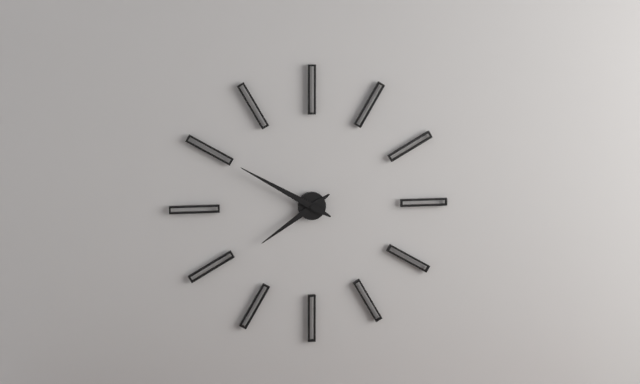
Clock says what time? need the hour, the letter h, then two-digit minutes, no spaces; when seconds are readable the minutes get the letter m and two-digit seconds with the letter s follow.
7h50
